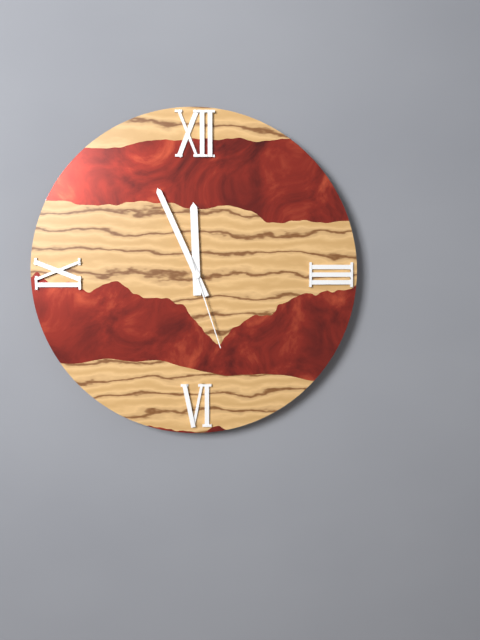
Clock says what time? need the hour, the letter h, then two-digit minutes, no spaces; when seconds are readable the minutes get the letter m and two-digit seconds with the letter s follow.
11h56m27s
